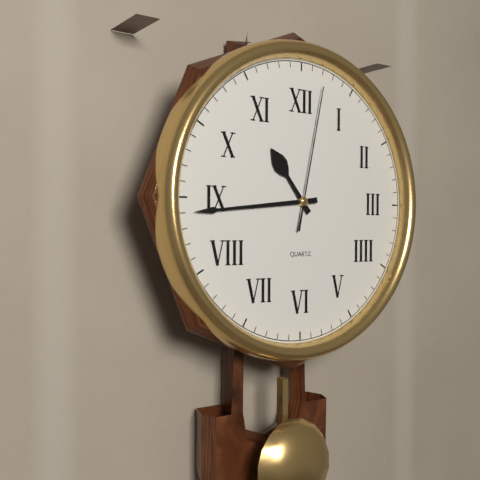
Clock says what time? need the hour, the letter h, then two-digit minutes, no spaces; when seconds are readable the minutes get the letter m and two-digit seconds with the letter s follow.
10h44m02s
